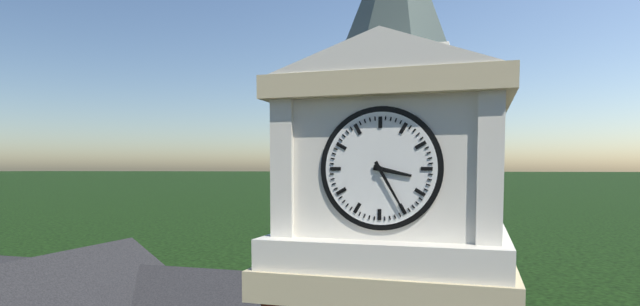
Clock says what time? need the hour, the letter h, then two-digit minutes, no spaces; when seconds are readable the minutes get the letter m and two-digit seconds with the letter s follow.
3h25
